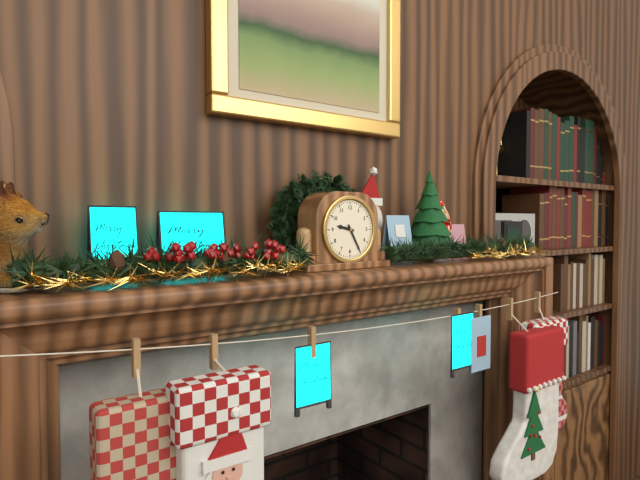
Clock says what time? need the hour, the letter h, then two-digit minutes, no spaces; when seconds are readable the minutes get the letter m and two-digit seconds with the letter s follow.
9h25
